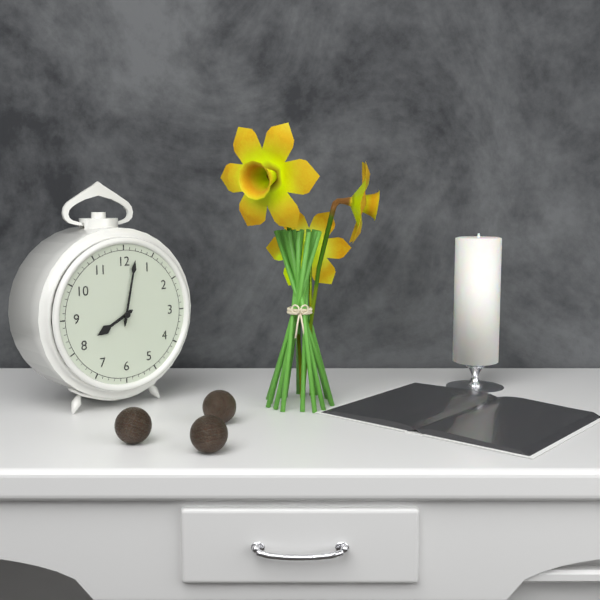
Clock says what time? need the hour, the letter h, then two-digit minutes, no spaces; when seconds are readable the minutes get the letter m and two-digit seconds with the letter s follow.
8h02
